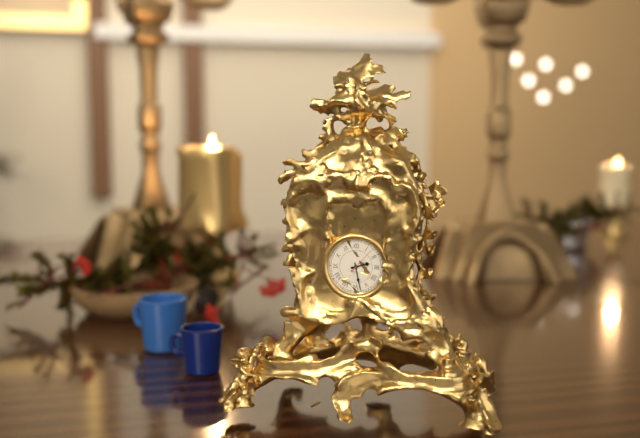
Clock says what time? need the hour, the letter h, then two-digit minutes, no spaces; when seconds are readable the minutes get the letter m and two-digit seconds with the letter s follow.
2h28
